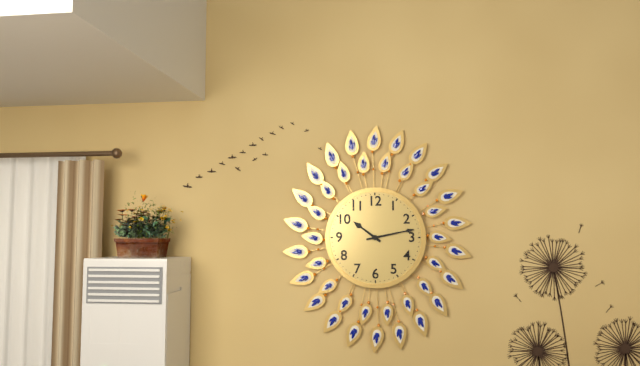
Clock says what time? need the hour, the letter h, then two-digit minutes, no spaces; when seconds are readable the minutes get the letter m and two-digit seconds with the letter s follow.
10h13
